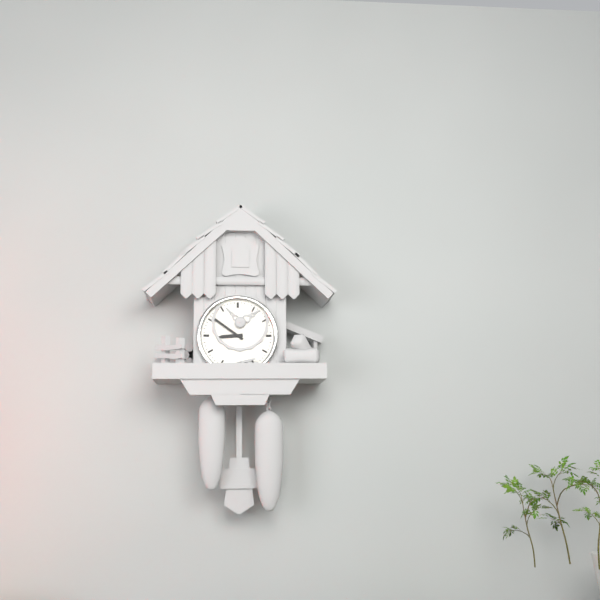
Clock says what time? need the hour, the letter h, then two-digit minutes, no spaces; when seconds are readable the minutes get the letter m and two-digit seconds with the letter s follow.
8h51
